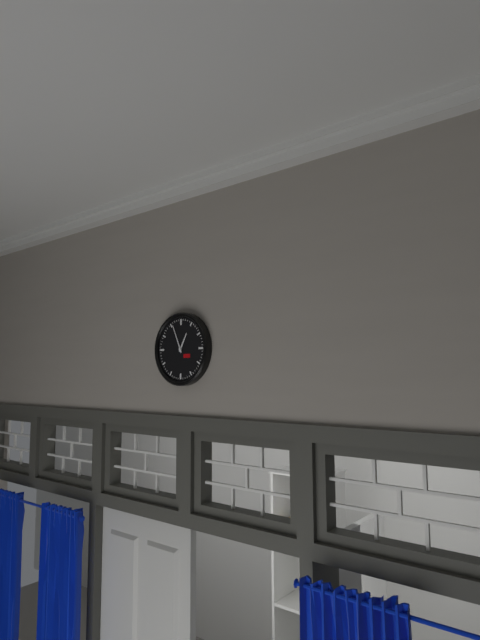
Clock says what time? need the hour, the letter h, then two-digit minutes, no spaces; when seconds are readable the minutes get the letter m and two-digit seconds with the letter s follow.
12h56
